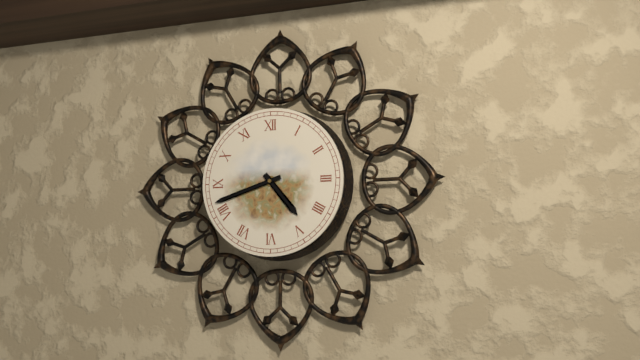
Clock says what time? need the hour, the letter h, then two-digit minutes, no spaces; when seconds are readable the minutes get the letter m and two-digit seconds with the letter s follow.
4h42
